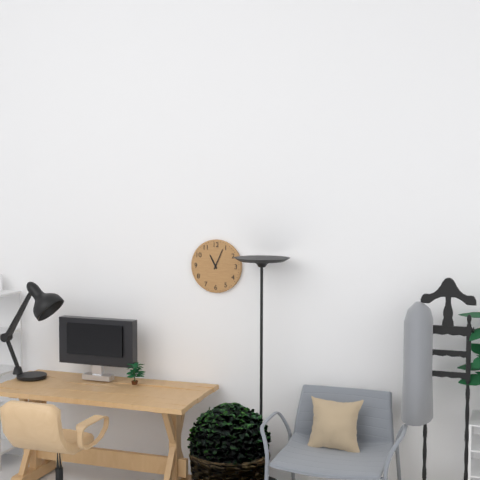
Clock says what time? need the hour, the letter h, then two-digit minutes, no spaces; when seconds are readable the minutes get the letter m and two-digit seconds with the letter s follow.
11h04
